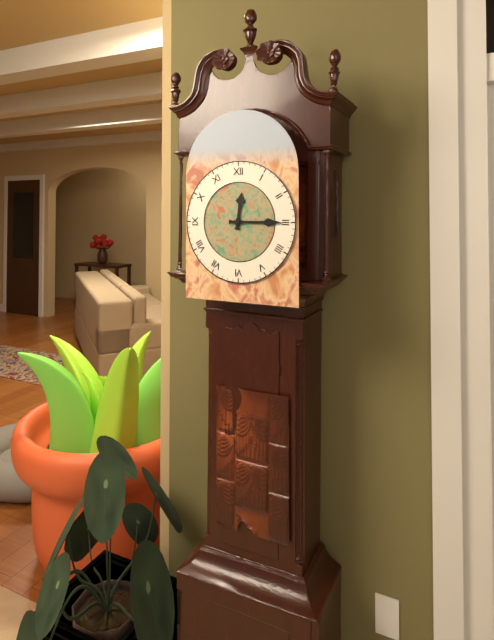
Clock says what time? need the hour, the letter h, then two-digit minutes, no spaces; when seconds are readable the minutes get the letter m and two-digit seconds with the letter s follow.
12h15
